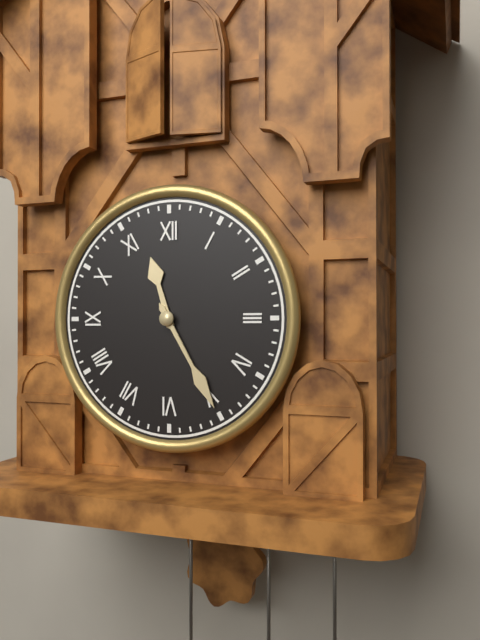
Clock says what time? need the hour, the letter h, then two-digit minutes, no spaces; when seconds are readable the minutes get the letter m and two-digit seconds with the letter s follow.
11h25
